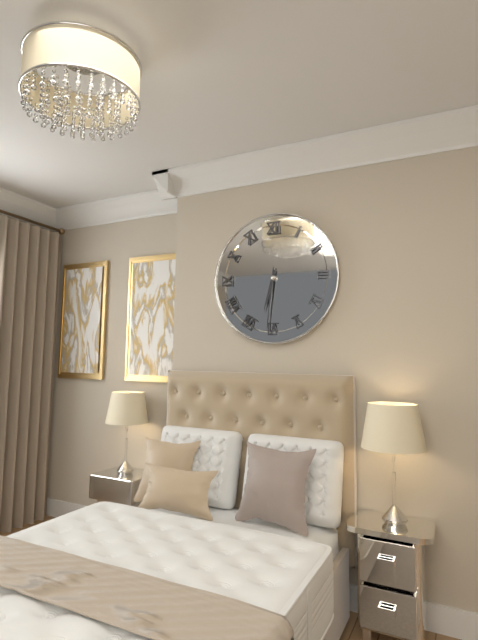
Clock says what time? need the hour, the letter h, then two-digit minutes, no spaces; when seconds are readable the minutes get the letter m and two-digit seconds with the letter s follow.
6h31
